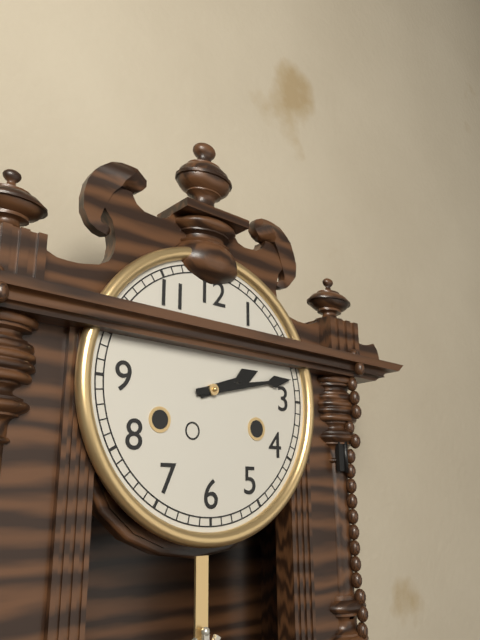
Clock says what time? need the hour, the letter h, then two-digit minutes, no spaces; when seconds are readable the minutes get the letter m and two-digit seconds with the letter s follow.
2h13
